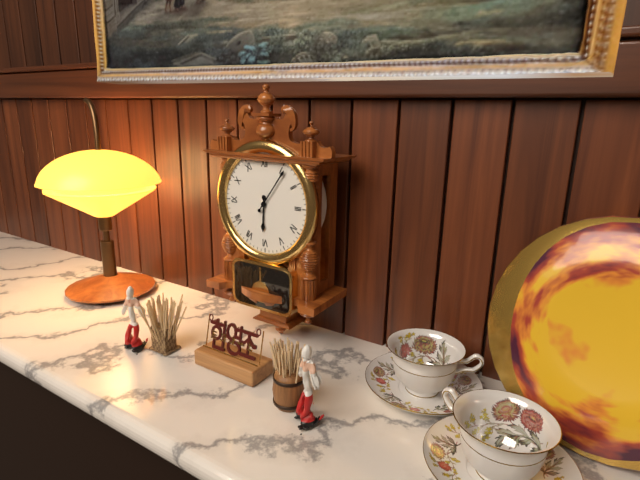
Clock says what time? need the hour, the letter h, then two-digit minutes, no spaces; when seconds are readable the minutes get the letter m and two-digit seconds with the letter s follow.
6h06
